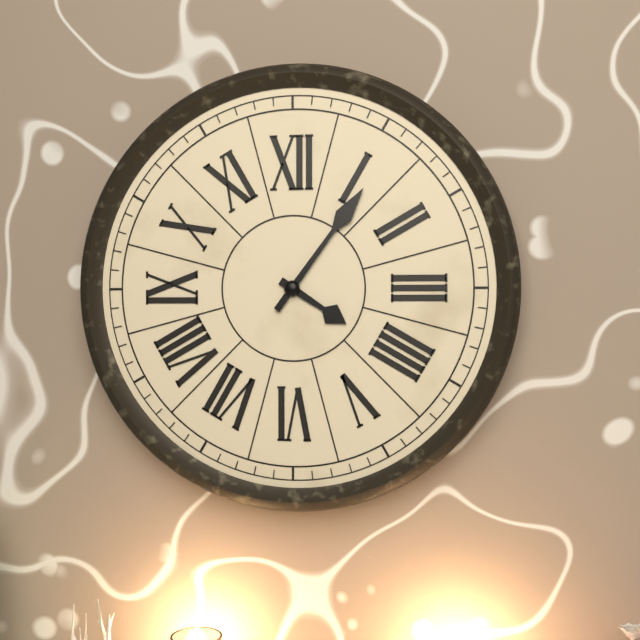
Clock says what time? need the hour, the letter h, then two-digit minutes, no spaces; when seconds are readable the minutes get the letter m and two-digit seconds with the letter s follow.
4h06
